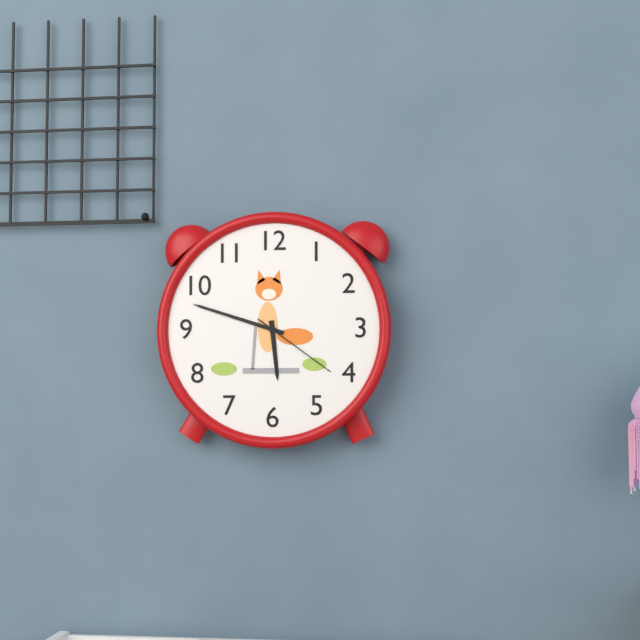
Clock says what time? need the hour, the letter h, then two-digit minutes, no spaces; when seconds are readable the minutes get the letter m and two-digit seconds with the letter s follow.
5h48m21s
